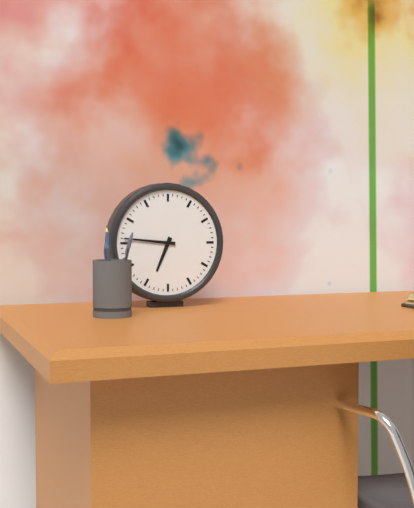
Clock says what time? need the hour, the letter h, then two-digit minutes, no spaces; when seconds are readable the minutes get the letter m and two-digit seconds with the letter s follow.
6h46
